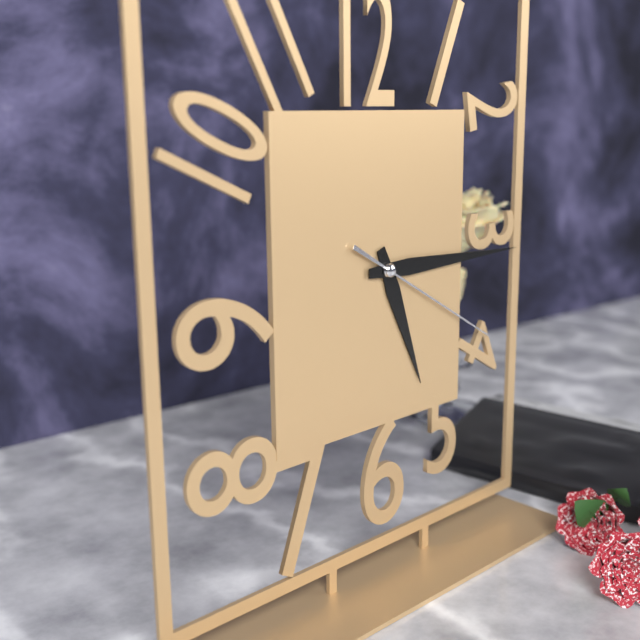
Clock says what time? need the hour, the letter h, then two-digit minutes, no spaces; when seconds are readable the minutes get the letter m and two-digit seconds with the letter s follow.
5h15m20s
